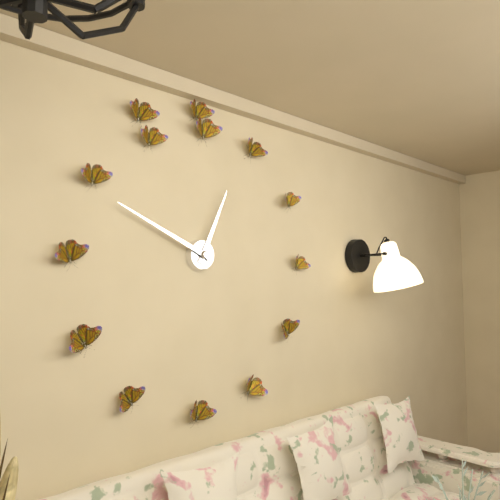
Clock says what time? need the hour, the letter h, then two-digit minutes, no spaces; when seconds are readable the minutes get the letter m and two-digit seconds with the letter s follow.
12h49
